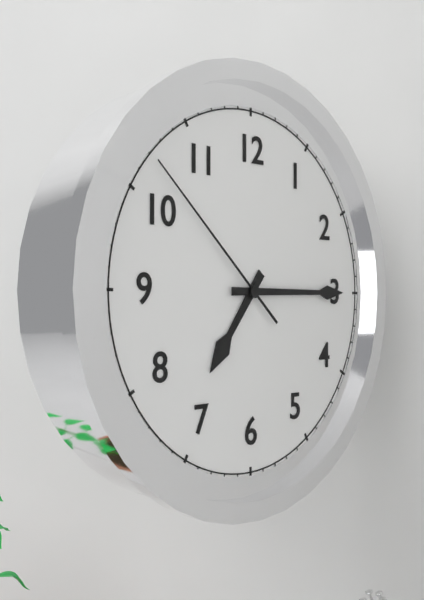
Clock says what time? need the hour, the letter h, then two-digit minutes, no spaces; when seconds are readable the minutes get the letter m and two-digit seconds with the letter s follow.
7h15m52s
